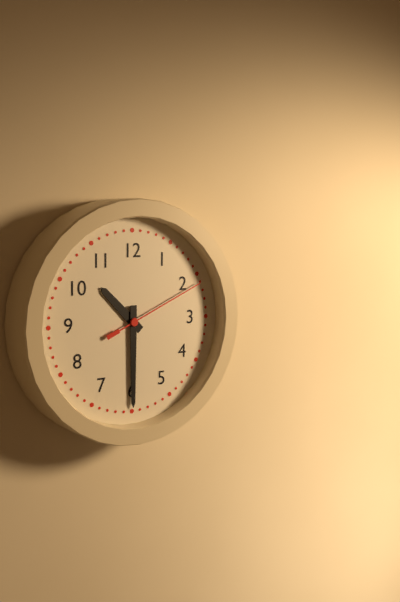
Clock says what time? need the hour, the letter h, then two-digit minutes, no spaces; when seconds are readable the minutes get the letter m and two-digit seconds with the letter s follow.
10h30m11s
